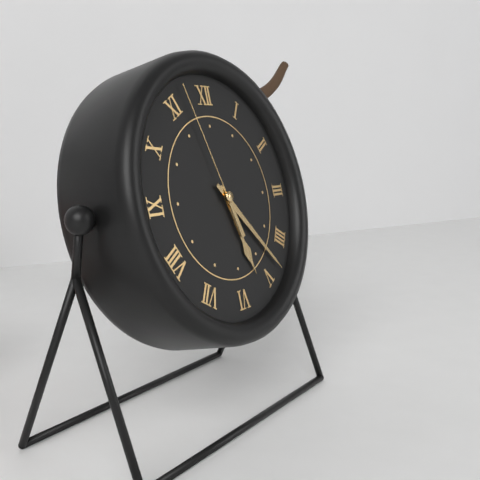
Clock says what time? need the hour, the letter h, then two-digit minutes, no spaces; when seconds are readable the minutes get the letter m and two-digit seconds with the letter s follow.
5h23m57s
